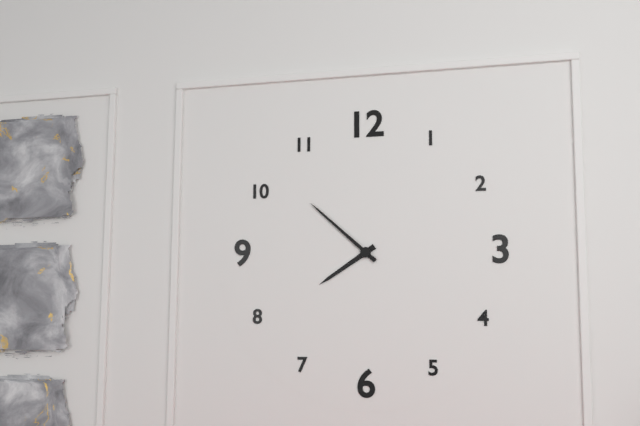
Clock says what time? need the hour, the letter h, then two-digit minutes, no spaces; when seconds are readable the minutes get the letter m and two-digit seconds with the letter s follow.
7h52
